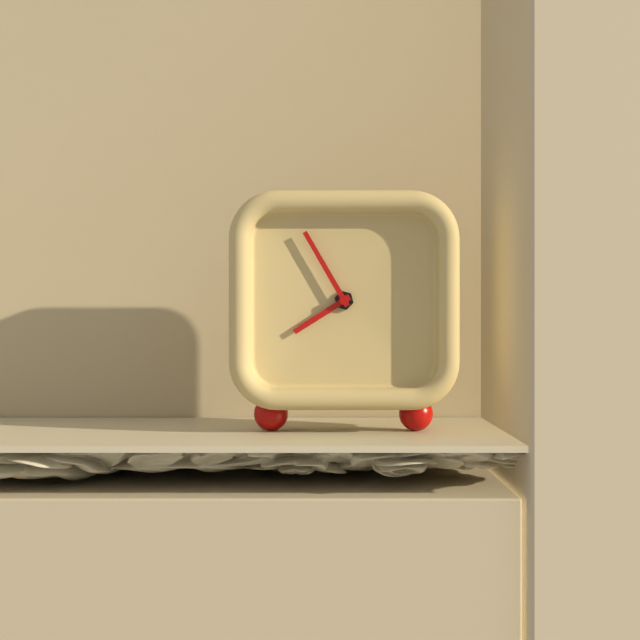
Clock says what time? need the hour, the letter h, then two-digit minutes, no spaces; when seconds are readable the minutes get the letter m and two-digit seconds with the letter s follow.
7h55
